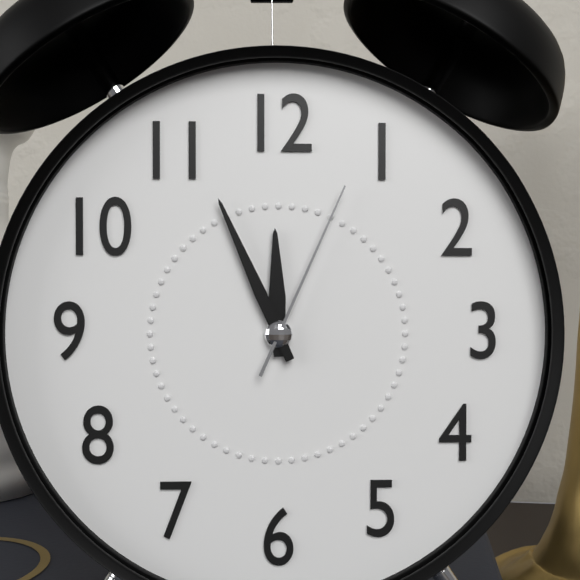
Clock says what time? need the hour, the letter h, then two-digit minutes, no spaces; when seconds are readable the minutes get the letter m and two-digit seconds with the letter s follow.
11h56m04s
